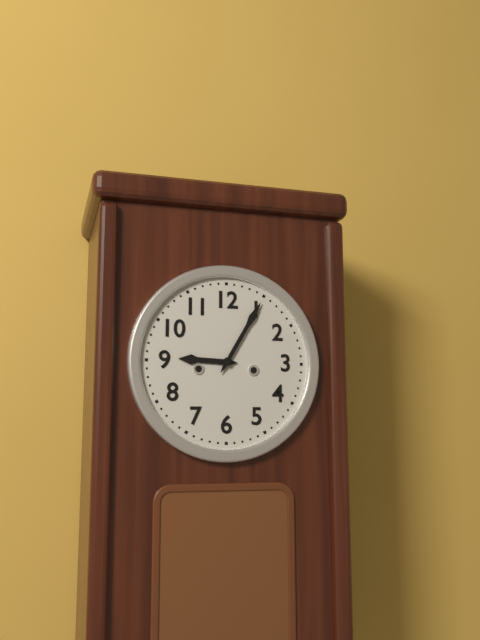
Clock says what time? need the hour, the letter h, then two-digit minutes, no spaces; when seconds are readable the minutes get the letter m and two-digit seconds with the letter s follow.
9h05
